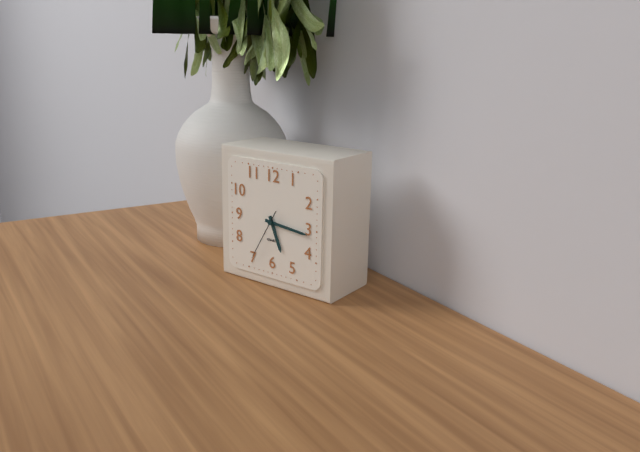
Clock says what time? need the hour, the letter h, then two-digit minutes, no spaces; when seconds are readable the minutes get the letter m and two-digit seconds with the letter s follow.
5h16
